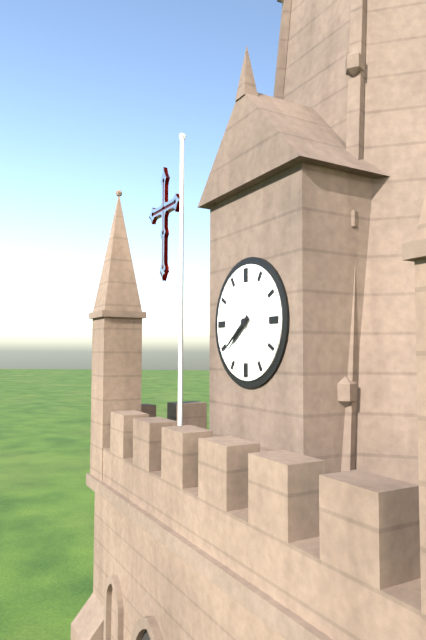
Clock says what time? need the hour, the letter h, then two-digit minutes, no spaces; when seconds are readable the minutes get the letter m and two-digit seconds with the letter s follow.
7h39
